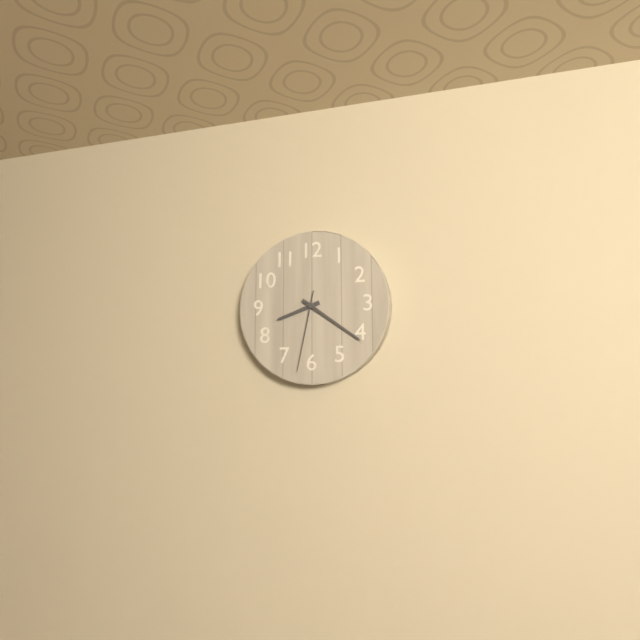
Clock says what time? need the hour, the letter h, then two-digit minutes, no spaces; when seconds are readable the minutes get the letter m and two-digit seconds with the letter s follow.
8h21m32s
